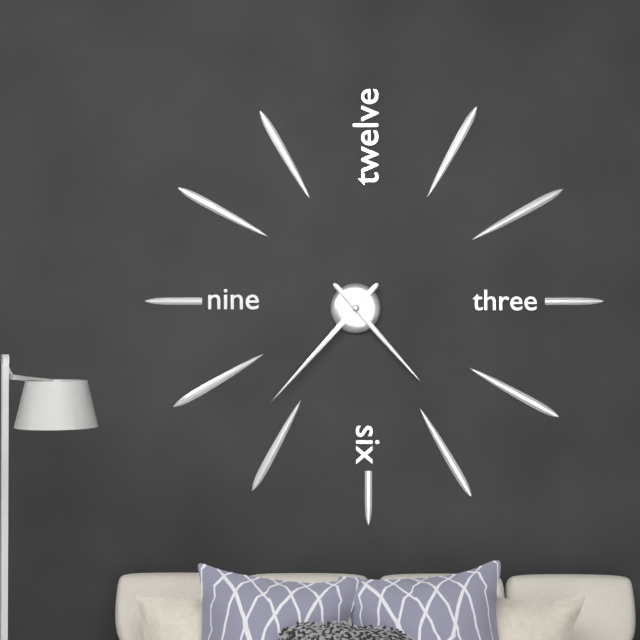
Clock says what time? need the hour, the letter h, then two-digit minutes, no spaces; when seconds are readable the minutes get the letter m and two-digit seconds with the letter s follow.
4h37
